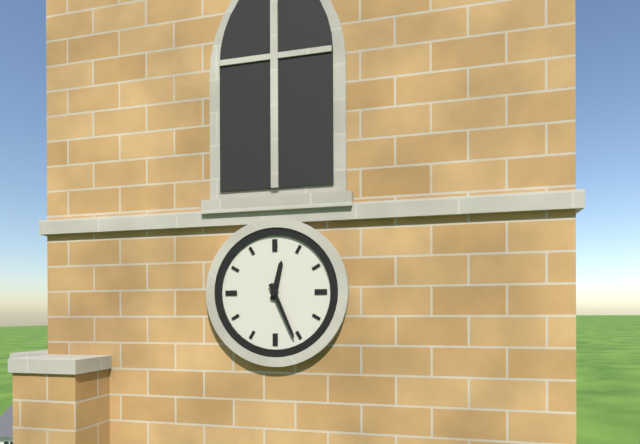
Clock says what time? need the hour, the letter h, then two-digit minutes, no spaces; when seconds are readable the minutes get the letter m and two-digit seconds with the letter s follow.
12h26
